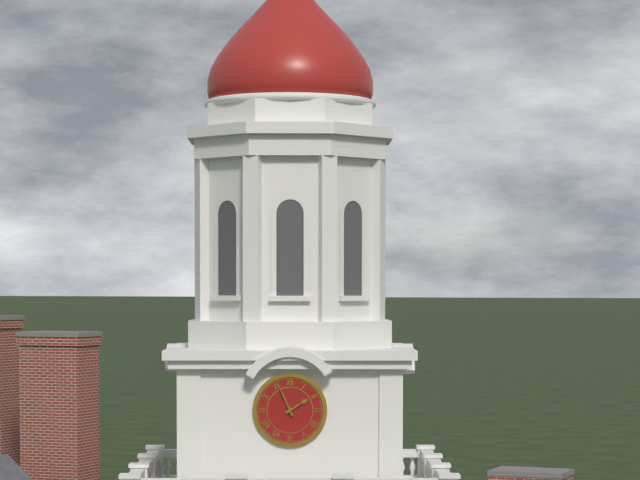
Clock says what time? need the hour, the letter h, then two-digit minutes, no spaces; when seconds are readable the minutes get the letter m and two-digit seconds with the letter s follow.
1h56
